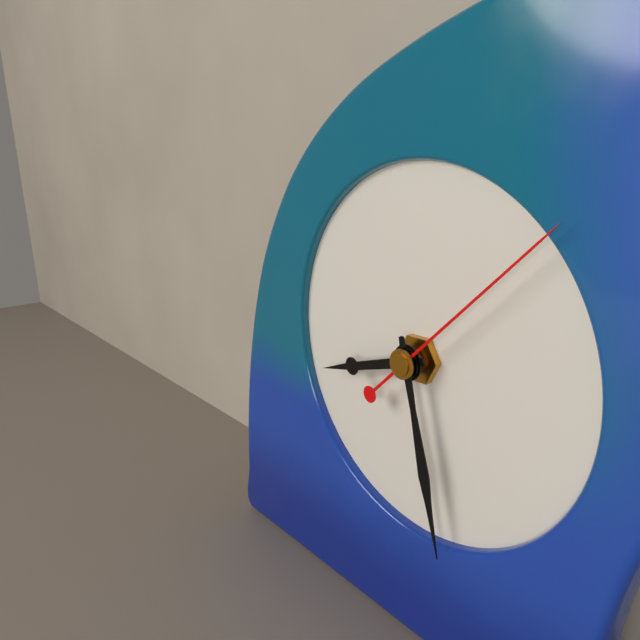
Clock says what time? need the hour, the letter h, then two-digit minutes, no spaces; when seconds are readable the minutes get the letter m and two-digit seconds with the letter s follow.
8h28m08s
